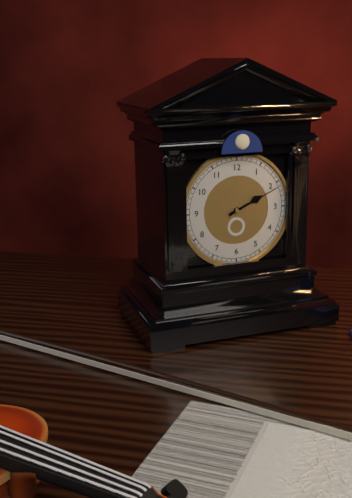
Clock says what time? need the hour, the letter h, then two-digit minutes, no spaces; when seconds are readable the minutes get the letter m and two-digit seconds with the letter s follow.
2h11
